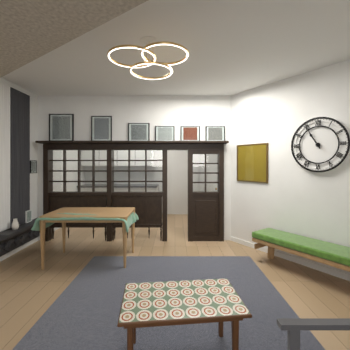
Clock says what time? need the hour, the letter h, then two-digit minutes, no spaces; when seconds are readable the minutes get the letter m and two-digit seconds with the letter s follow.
10h55
